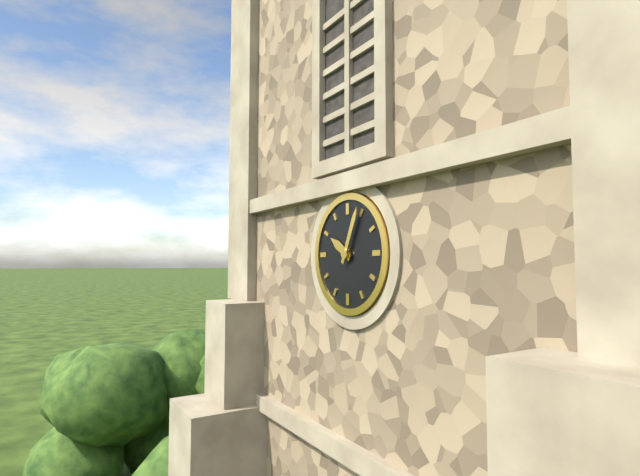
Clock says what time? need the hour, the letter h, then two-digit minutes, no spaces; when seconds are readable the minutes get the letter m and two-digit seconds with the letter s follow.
10h04
